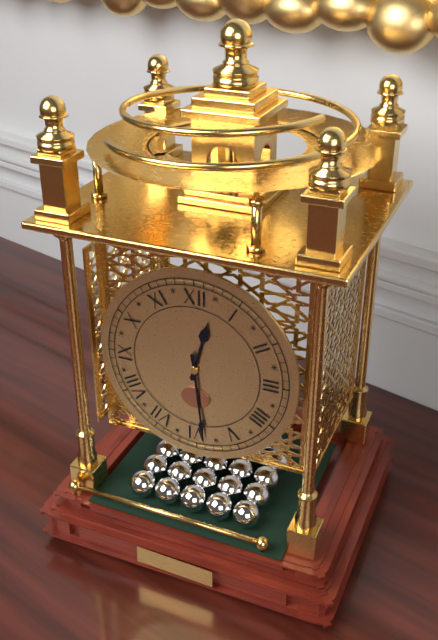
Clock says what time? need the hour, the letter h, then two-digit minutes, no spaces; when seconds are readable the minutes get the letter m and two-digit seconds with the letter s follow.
12h29
